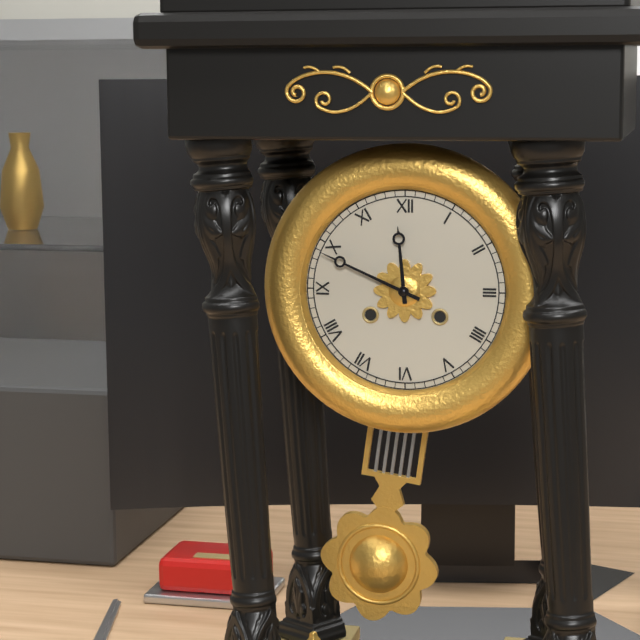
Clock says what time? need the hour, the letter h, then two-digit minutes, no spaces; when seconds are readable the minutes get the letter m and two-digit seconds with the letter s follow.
11h49
